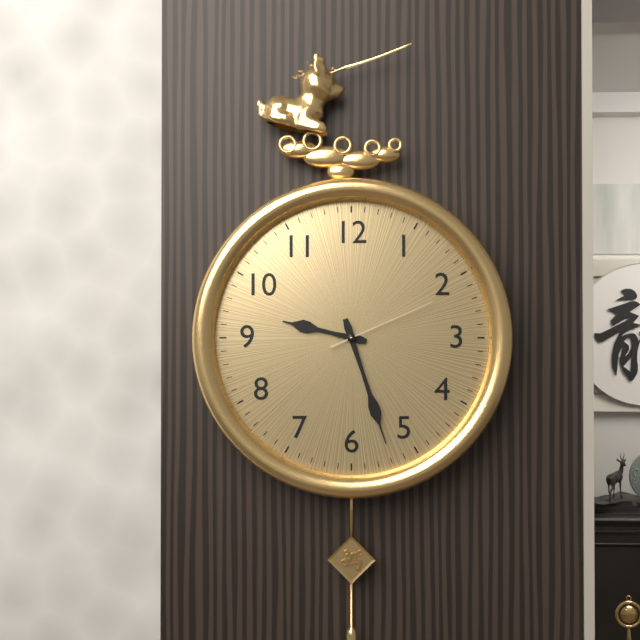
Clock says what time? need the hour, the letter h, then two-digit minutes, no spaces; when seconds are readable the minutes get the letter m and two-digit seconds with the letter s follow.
9h27m11s
